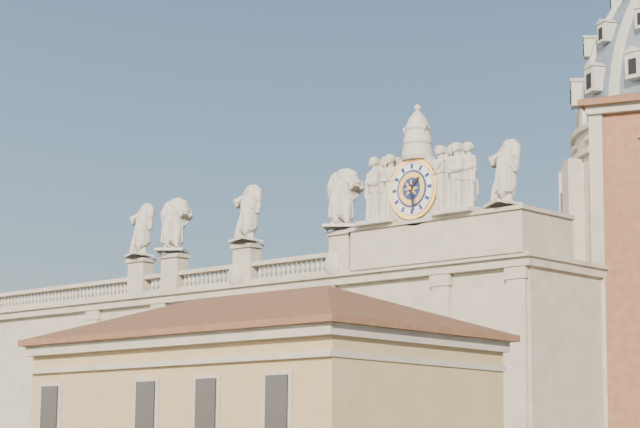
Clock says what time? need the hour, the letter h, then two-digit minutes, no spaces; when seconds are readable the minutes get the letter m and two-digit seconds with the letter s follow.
1h28
